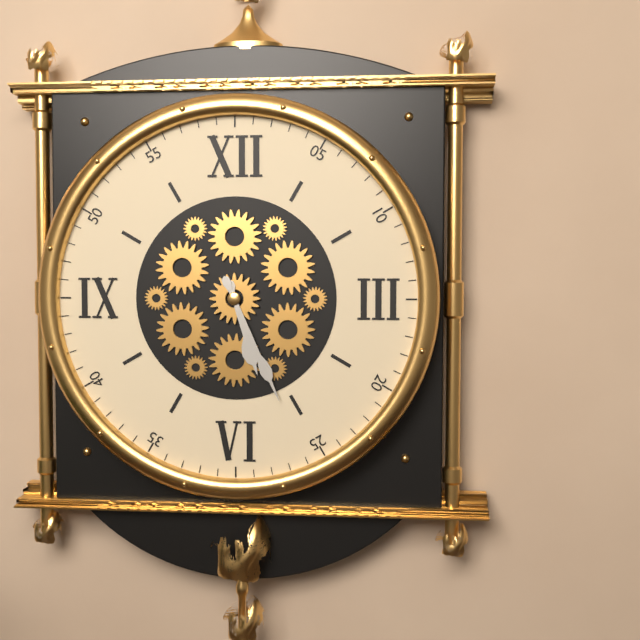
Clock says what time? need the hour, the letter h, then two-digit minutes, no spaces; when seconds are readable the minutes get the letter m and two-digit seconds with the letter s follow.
5h26
